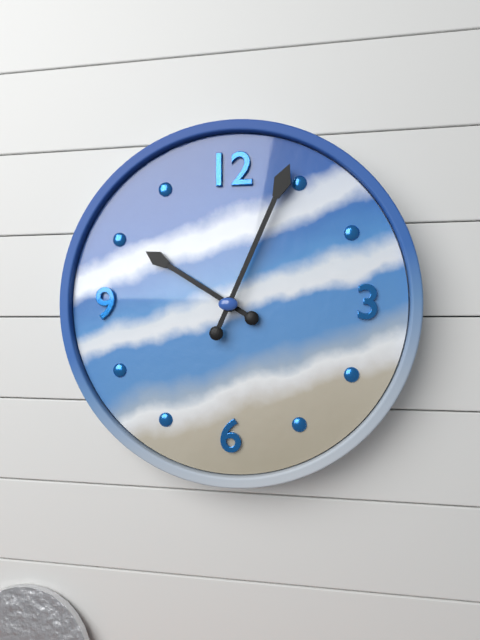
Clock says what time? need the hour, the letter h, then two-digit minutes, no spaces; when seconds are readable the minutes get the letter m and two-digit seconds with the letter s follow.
10h04
